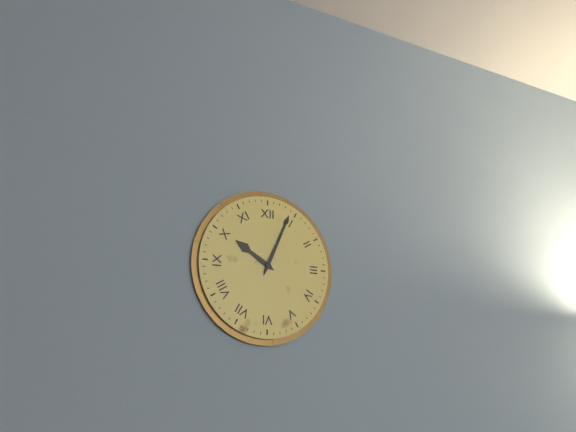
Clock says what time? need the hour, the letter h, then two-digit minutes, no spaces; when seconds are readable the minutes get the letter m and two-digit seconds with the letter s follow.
10h04
